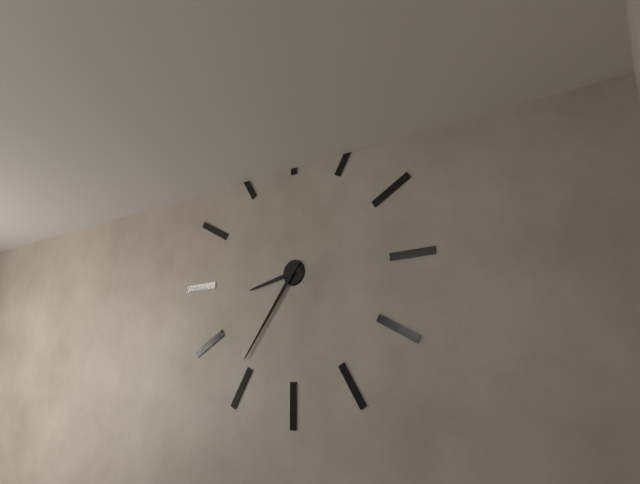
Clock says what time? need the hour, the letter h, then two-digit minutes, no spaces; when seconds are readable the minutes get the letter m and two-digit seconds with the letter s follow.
8h36
